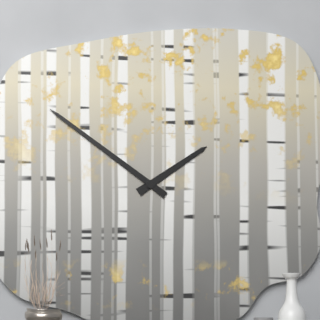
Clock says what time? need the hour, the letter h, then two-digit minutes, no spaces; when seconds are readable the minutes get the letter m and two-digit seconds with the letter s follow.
1h51
